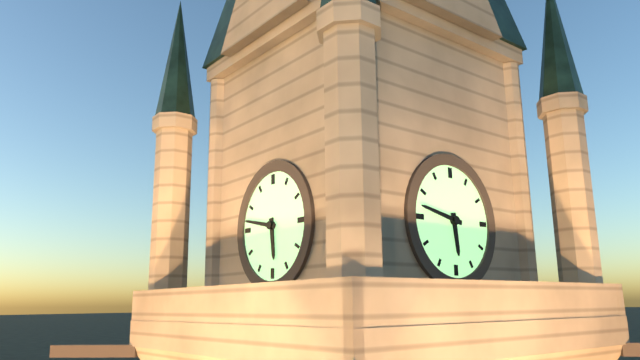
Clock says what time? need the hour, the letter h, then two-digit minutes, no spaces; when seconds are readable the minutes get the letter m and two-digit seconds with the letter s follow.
5h47
